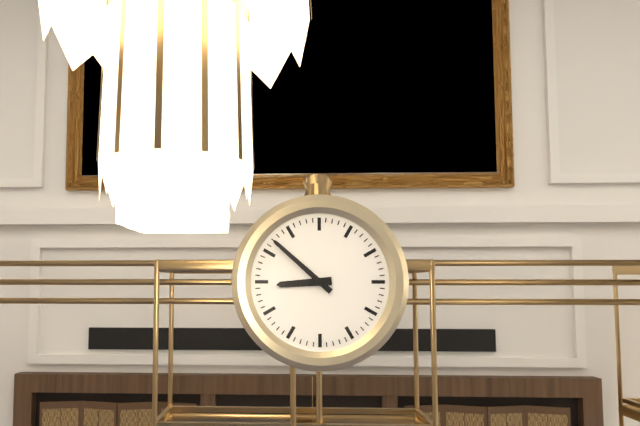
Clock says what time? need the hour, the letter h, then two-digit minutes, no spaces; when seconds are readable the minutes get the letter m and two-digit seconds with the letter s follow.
8h52
